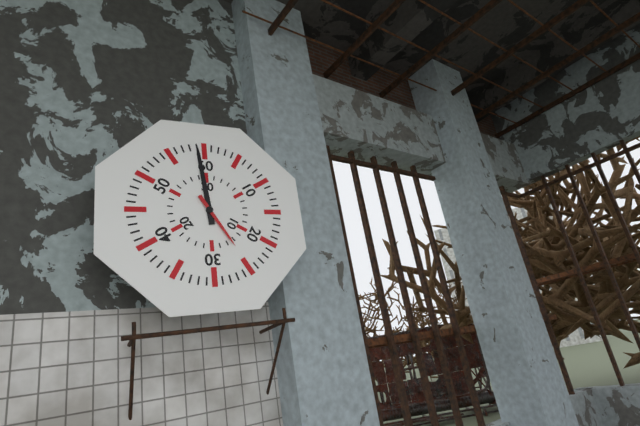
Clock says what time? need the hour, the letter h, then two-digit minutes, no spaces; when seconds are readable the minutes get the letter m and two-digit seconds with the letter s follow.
4h59
